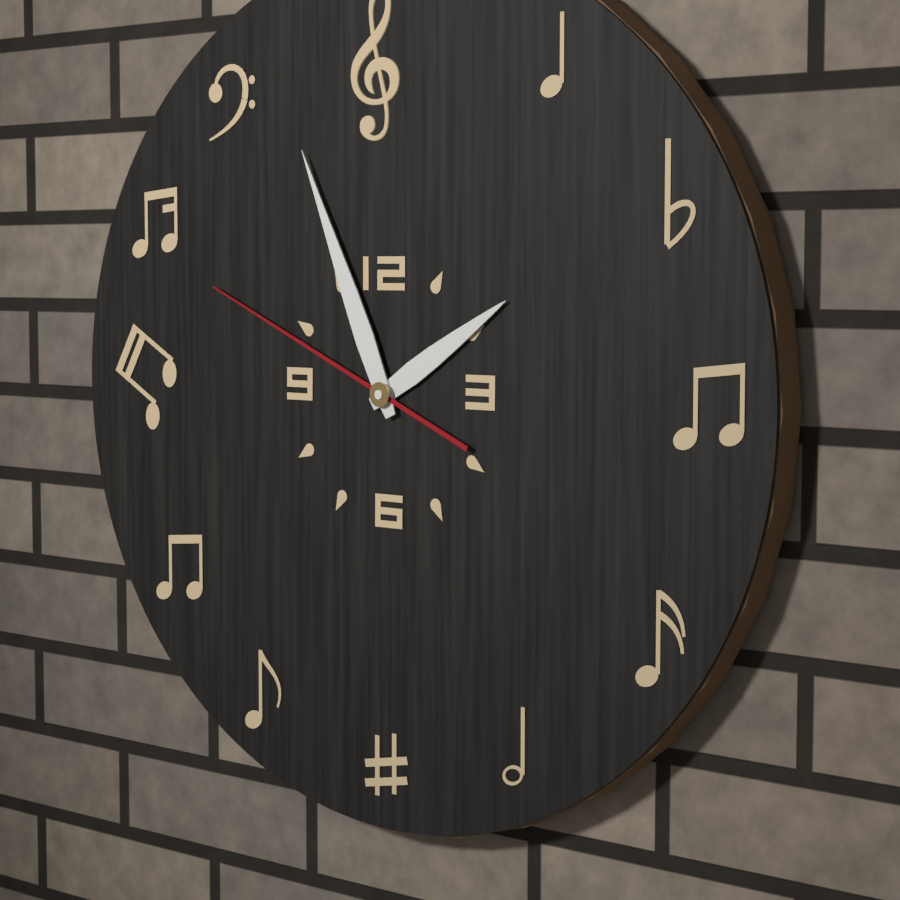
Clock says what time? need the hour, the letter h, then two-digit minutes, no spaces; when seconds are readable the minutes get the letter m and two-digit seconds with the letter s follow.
1h56m49s
